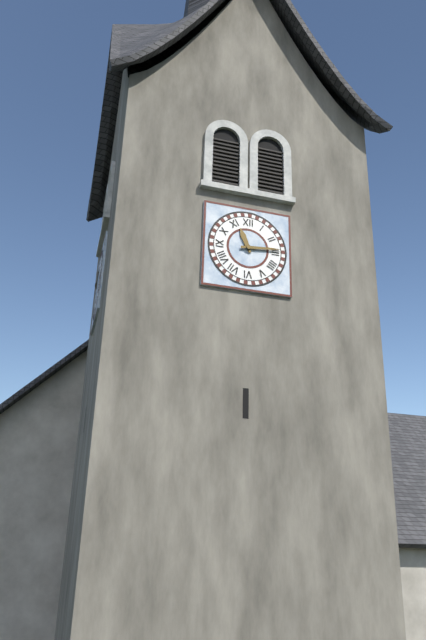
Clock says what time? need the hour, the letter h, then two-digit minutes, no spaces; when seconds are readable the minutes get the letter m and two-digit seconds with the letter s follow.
11h14
